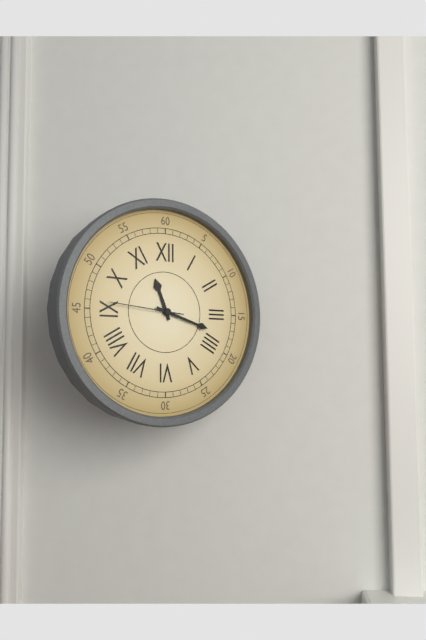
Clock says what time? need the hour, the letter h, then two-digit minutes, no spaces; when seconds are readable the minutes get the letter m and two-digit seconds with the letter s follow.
11h18m46s
